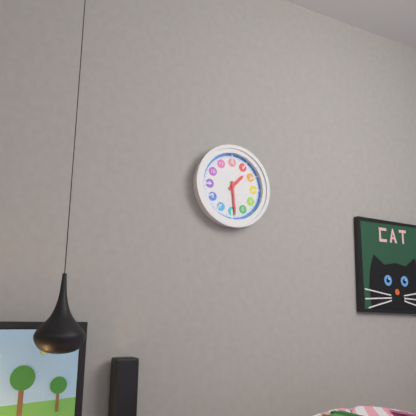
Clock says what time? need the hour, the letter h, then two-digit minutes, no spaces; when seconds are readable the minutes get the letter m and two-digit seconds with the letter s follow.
1h29
